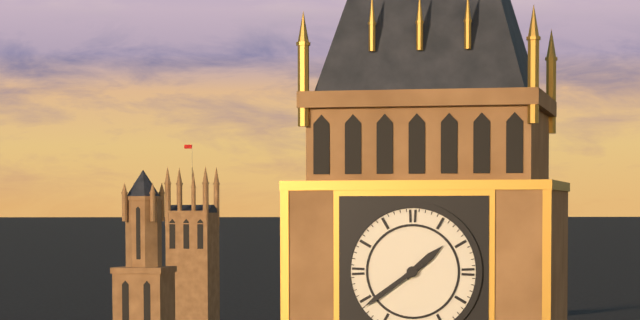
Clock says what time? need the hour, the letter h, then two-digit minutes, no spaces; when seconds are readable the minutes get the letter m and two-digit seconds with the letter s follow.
1h39
